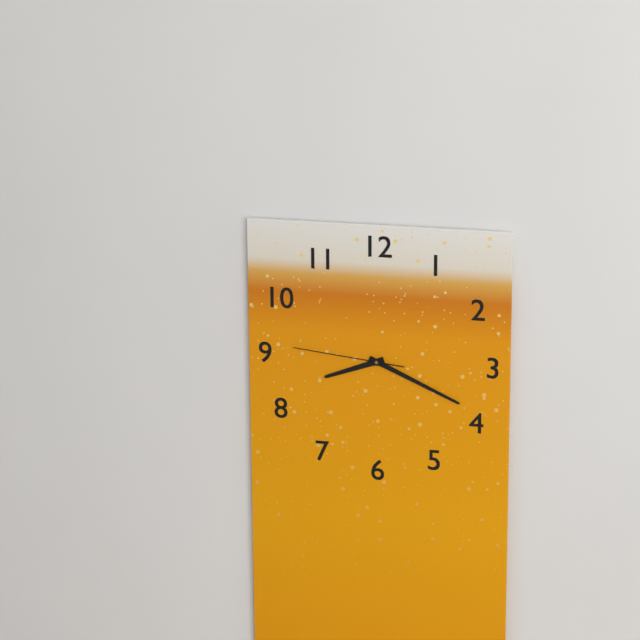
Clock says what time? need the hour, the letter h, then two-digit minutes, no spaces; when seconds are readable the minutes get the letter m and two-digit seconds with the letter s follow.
8h19m46s
